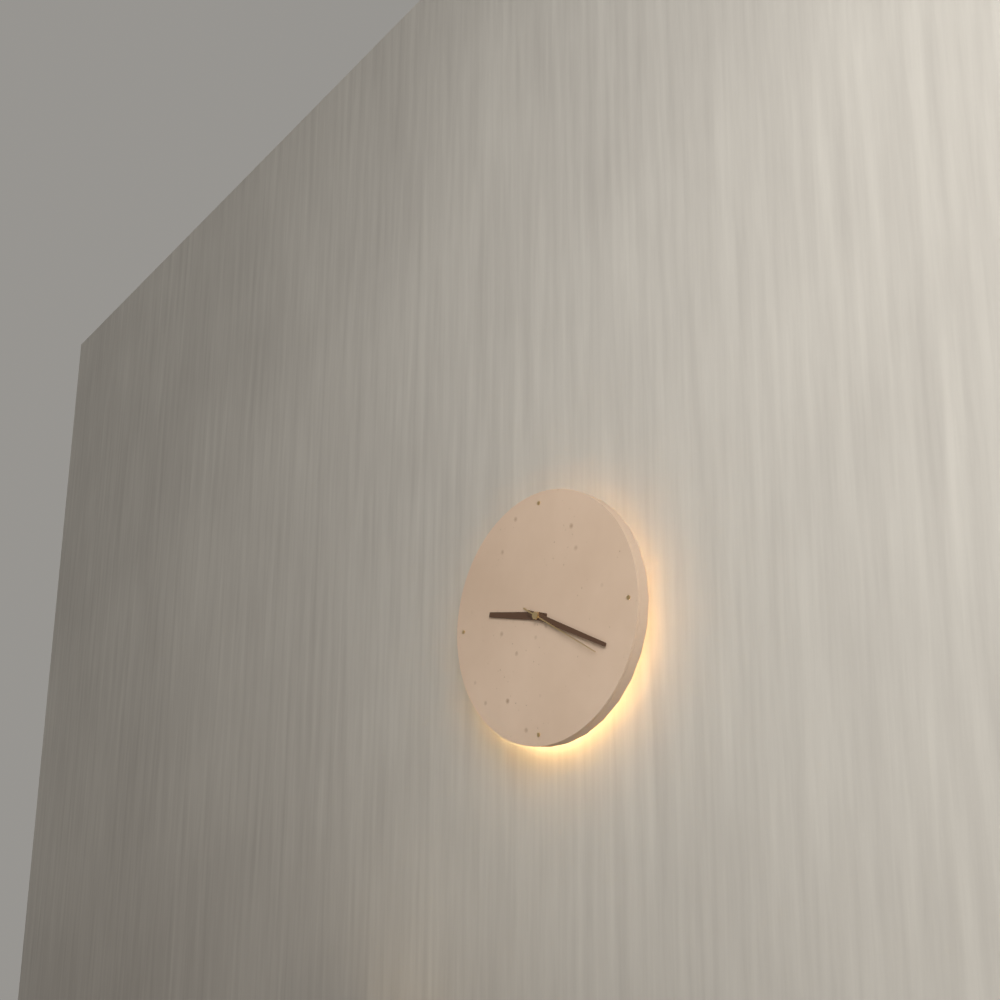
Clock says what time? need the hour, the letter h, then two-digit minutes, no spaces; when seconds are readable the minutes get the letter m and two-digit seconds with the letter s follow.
9h19m20s
